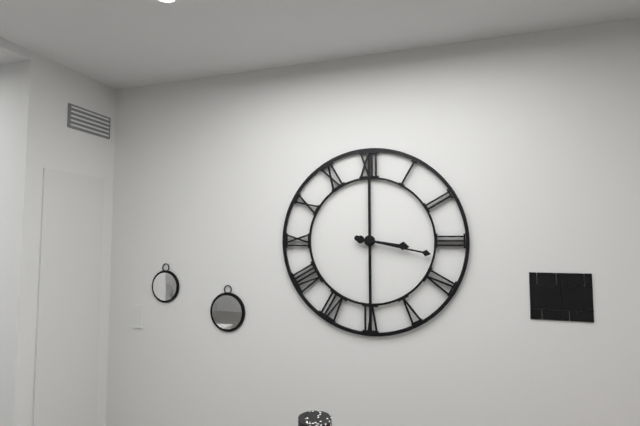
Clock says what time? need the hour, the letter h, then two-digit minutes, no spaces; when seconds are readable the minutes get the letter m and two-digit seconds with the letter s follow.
3h17
